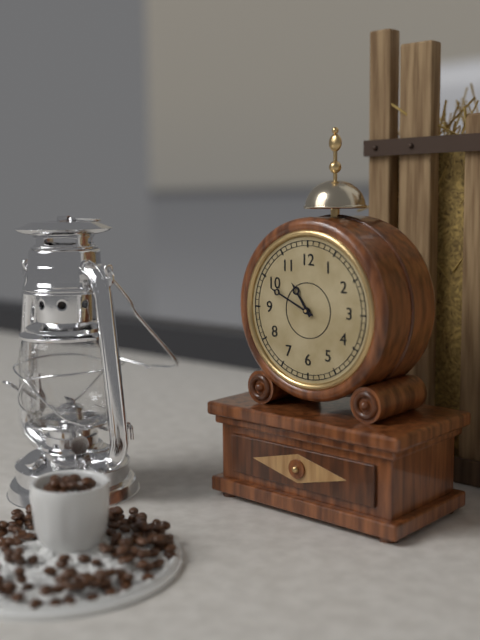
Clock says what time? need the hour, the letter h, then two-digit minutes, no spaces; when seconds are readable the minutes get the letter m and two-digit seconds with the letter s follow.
10h49
